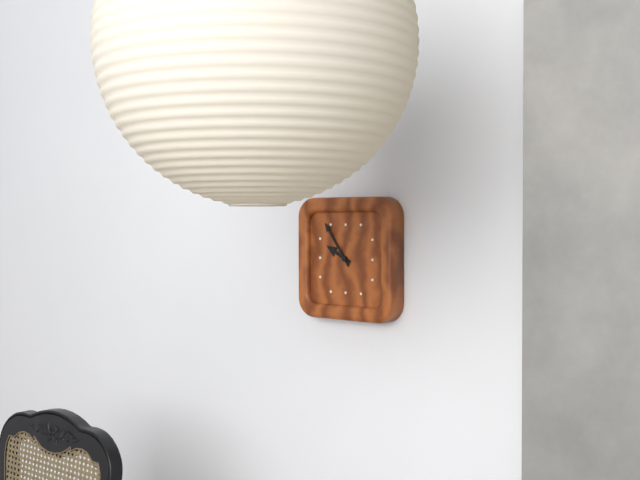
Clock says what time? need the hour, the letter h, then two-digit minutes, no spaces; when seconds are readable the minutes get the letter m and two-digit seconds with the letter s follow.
9h54
